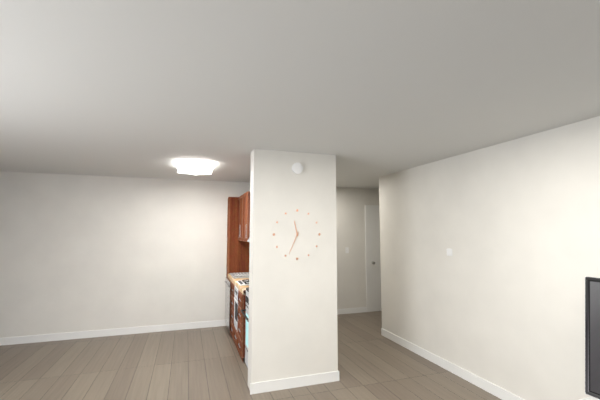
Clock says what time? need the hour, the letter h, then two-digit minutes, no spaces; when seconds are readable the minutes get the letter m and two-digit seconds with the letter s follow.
11h34
